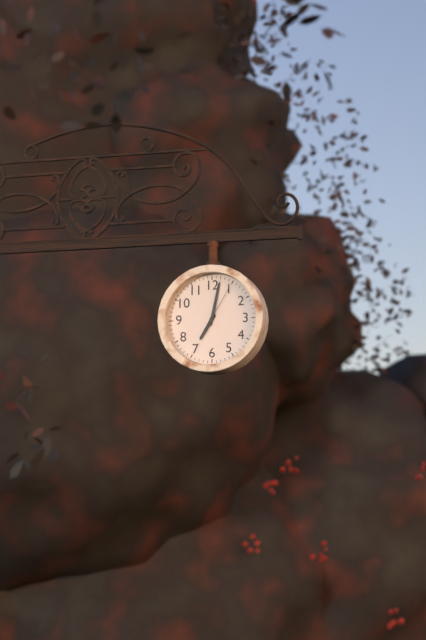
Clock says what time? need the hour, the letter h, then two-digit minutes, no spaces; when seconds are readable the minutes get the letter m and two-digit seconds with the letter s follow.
7h02
